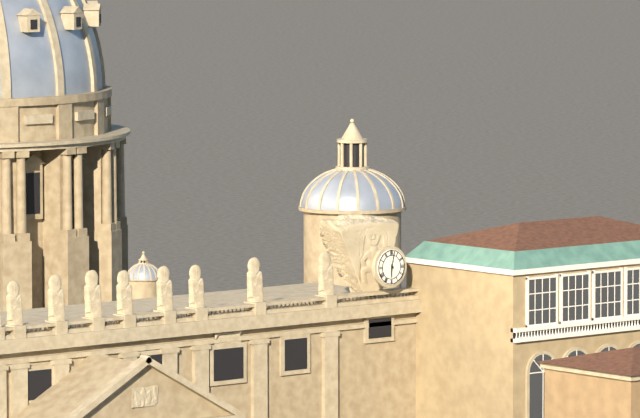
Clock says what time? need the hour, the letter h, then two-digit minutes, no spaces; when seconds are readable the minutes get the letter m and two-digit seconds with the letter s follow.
6h02
